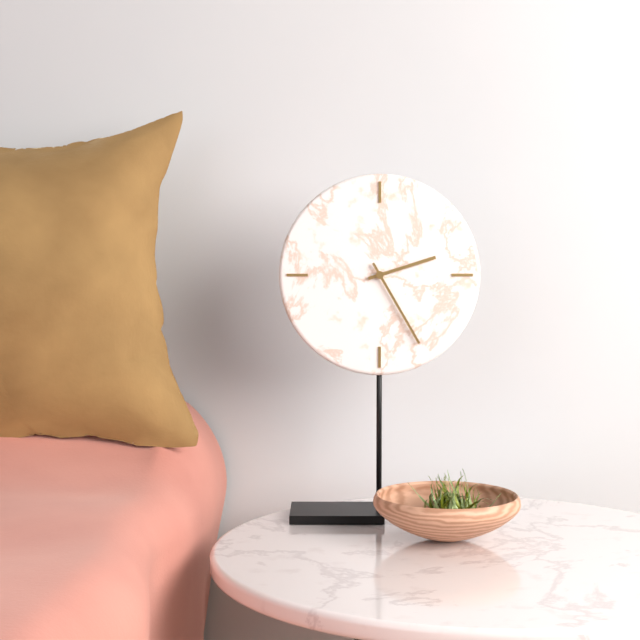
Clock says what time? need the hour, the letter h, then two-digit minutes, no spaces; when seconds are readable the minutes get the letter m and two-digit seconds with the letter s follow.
2h25
